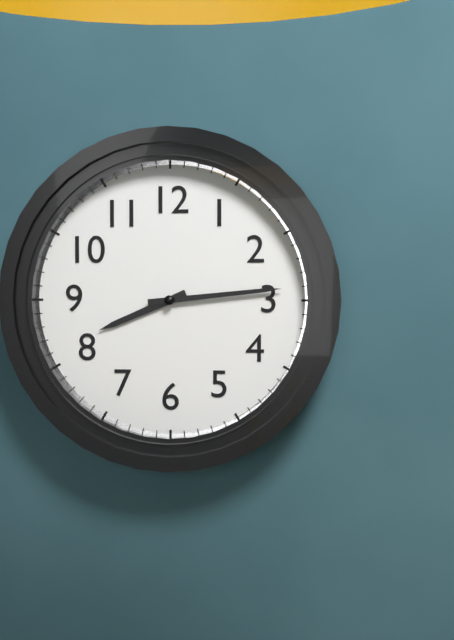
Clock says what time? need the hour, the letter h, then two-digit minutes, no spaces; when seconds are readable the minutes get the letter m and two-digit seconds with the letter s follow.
8h14
